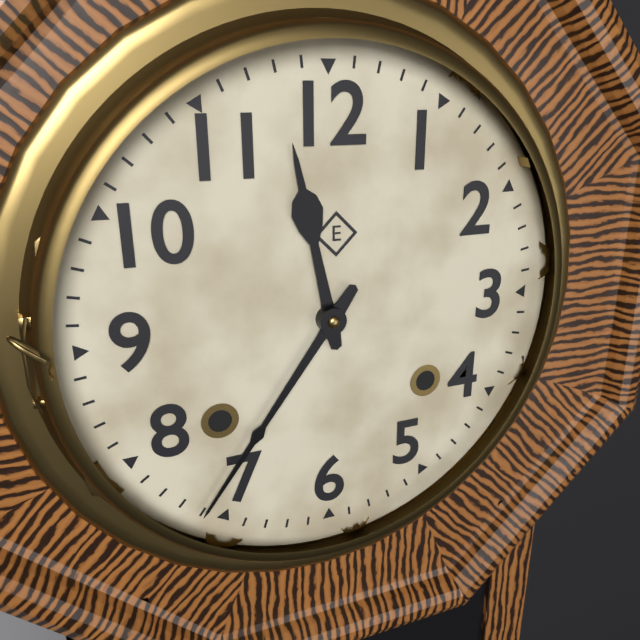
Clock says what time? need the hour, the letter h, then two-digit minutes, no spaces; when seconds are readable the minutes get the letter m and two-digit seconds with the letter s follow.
11h36
